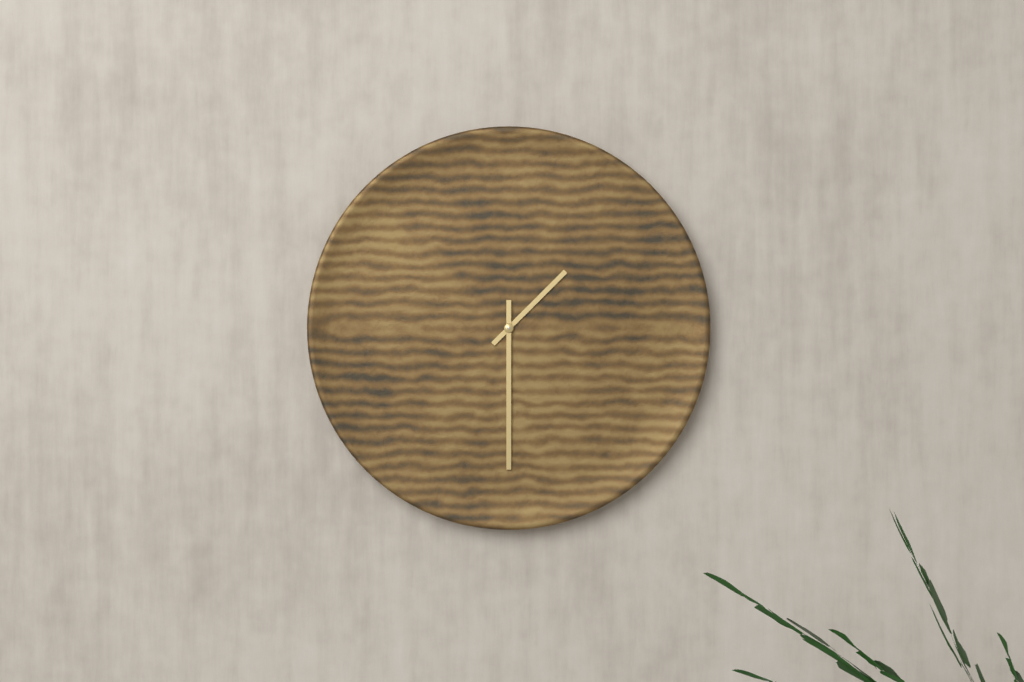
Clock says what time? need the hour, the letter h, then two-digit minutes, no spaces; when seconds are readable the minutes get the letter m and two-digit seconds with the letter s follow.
1h30
